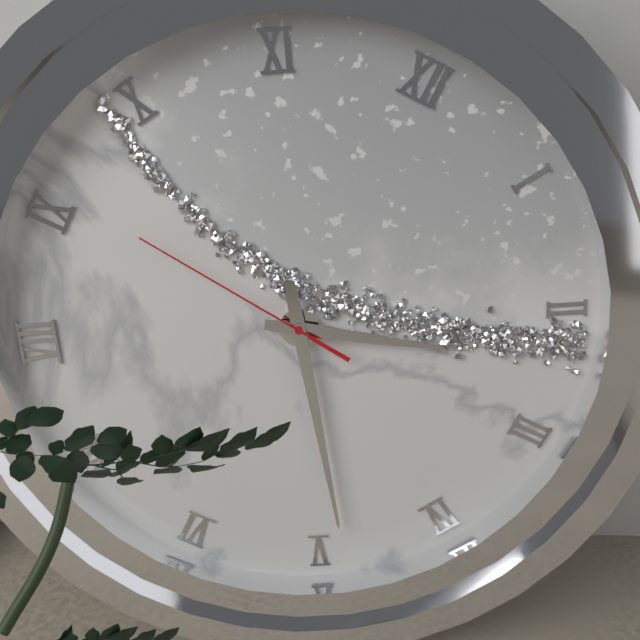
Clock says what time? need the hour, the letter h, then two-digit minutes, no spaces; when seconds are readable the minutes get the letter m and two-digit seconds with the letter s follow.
2h24m46s
